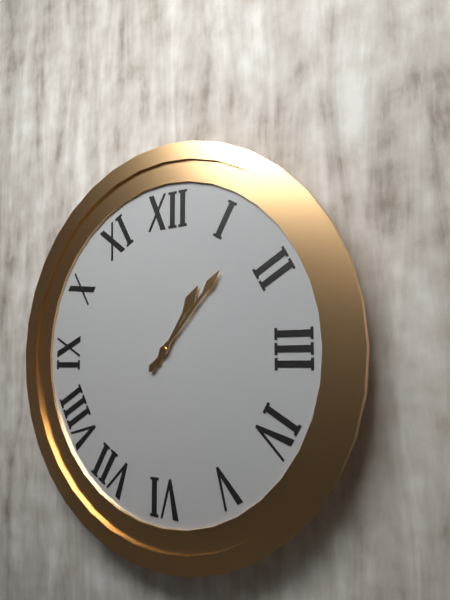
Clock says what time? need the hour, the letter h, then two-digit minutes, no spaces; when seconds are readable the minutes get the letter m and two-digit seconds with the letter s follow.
1h07
